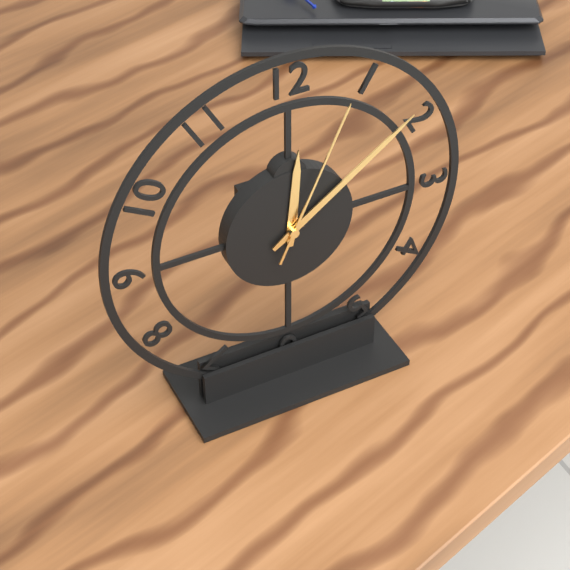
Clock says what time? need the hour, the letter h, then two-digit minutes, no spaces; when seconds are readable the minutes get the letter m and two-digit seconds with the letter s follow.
12h09m04s
